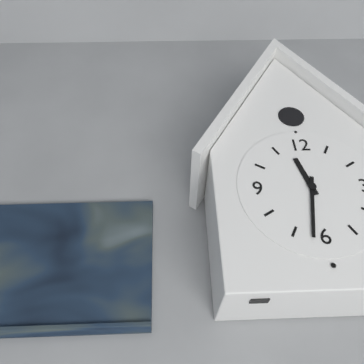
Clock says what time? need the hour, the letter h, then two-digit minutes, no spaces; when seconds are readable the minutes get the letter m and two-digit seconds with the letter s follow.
11h32
